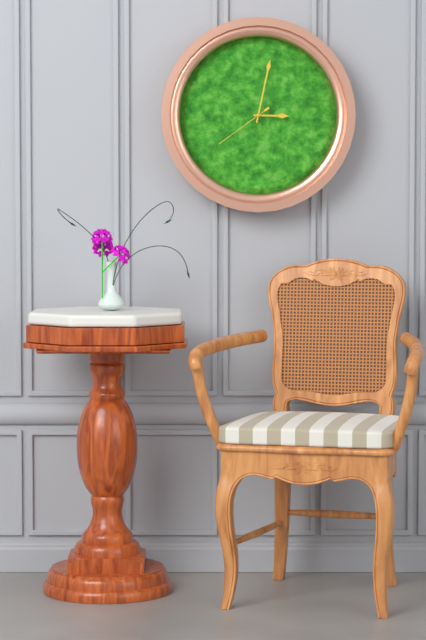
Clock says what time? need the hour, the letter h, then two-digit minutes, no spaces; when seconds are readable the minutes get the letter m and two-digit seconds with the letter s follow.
3h02m39s
